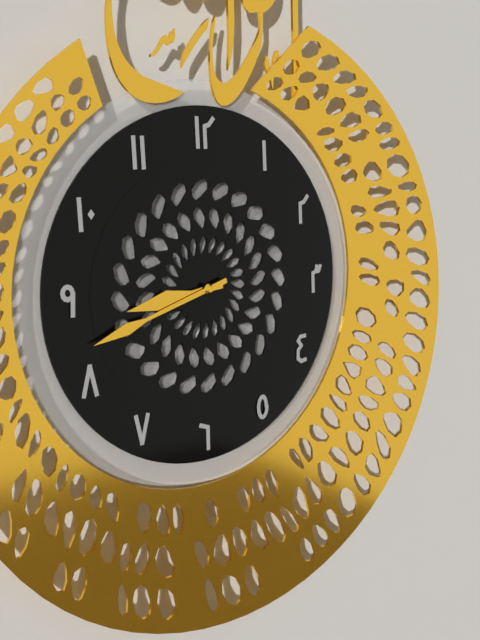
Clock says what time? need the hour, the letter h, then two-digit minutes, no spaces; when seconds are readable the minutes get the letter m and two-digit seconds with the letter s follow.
8h42
